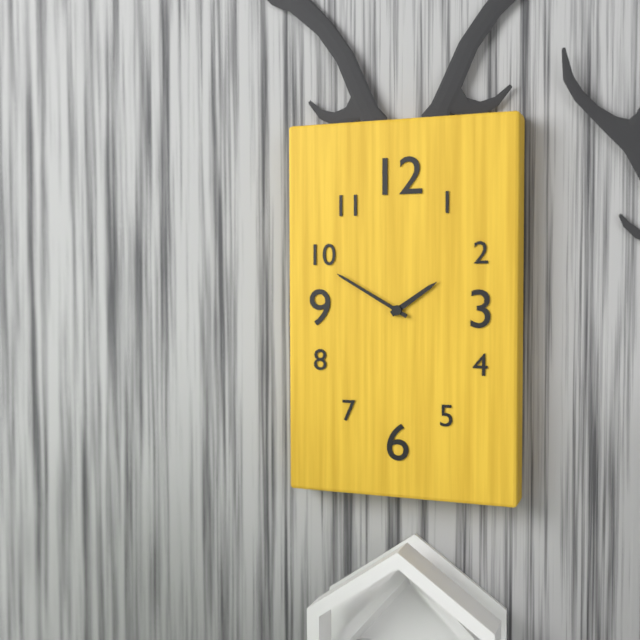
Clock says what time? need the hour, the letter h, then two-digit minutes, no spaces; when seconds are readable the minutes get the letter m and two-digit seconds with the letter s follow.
1h50
